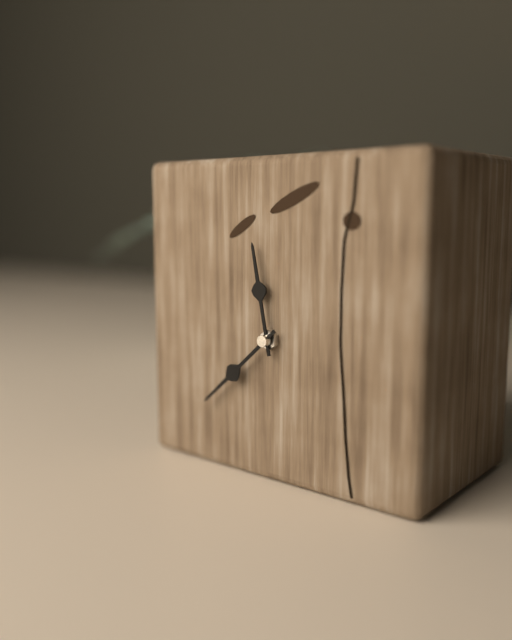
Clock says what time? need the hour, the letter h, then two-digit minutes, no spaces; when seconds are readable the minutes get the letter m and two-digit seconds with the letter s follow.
11h38
